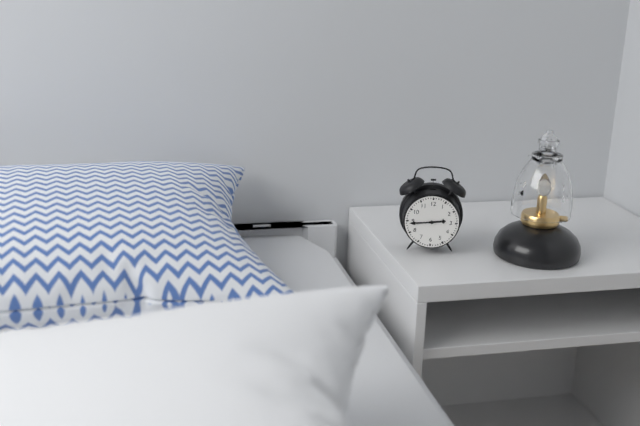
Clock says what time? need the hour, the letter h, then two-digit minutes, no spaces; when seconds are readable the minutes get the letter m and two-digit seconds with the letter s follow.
2h44
